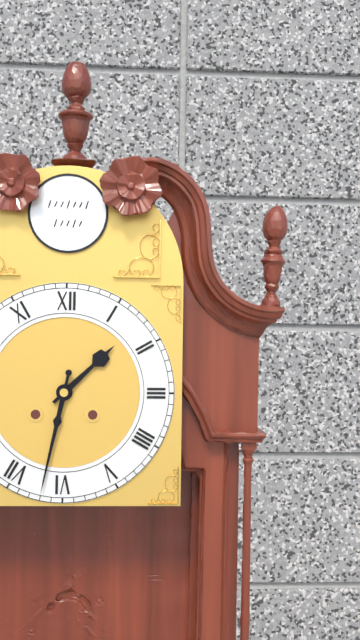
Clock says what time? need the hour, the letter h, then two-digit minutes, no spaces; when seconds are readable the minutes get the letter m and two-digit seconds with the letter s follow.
1h32
